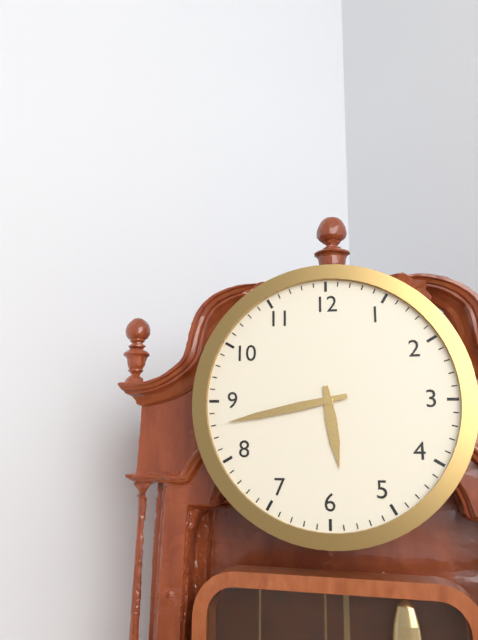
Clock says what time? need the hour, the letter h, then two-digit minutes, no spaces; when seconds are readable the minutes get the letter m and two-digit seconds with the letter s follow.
5h43
